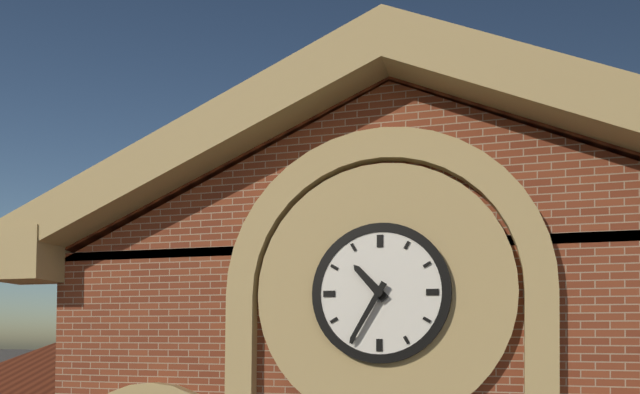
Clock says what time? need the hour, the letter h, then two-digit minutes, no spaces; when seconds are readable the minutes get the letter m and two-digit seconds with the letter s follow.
10h35
